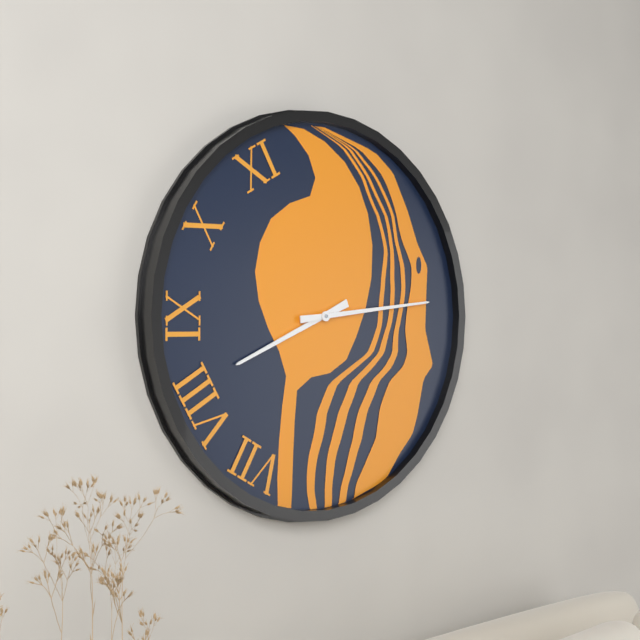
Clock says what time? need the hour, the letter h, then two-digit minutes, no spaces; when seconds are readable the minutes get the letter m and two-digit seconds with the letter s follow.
8h14
